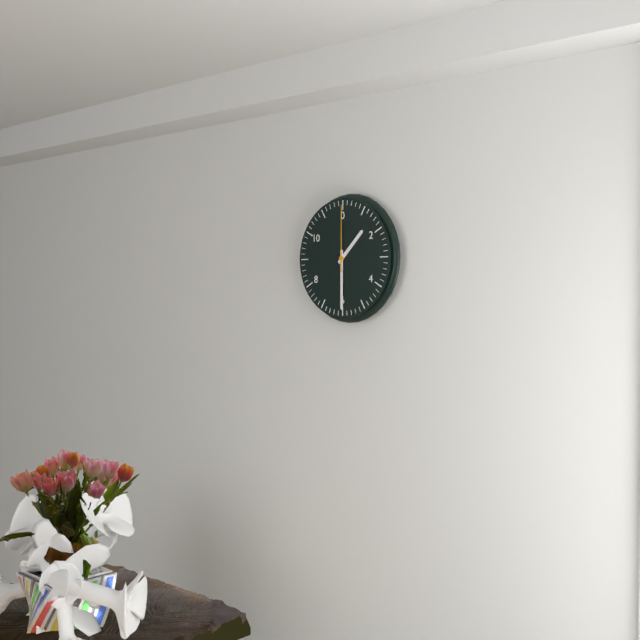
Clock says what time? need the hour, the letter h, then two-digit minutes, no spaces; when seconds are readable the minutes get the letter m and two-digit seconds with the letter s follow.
1h30m00s
